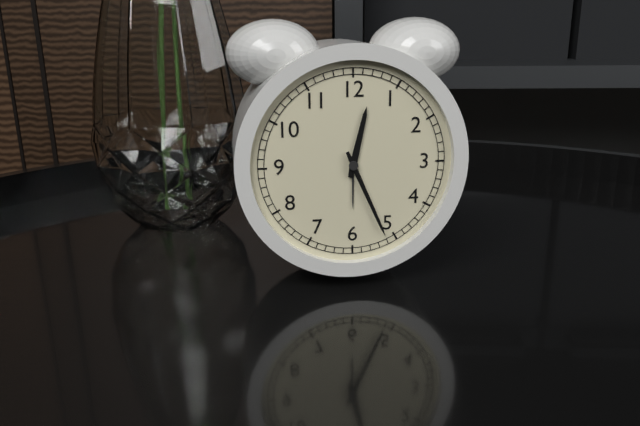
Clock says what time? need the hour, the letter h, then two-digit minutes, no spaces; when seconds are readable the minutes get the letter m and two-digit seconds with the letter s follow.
12h26
